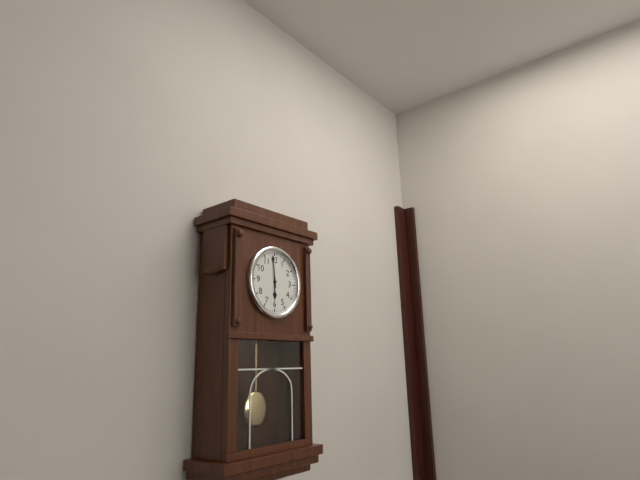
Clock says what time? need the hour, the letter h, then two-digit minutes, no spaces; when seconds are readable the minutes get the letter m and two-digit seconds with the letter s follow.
5h59
